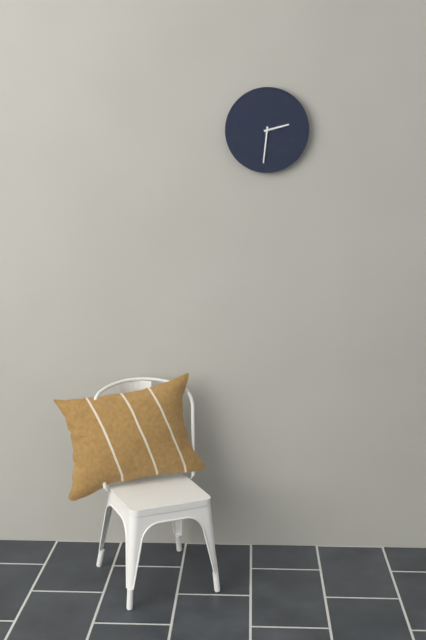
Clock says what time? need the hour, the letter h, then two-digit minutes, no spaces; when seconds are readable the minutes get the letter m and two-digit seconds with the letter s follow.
2h31
